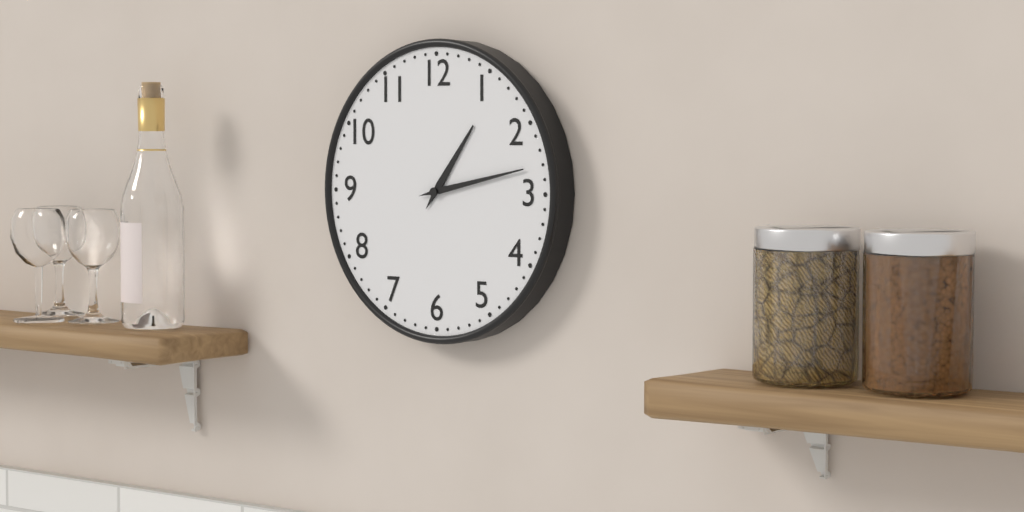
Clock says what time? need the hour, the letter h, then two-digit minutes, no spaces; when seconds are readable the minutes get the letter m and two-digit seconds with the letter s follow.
1h13
